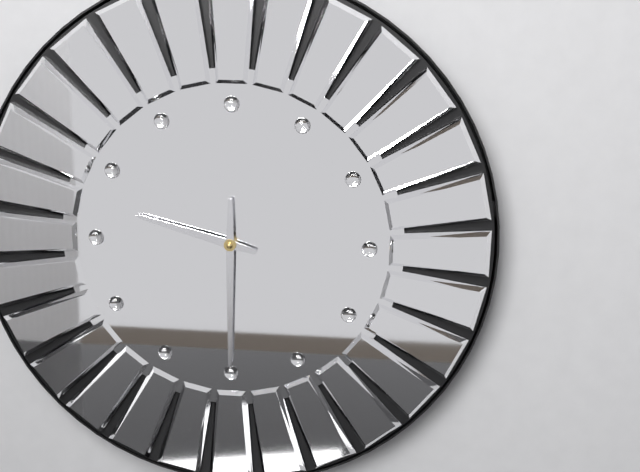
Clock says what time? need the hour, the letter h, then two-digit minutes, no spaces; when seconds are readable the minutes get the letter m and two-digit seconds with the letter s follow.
9h30
